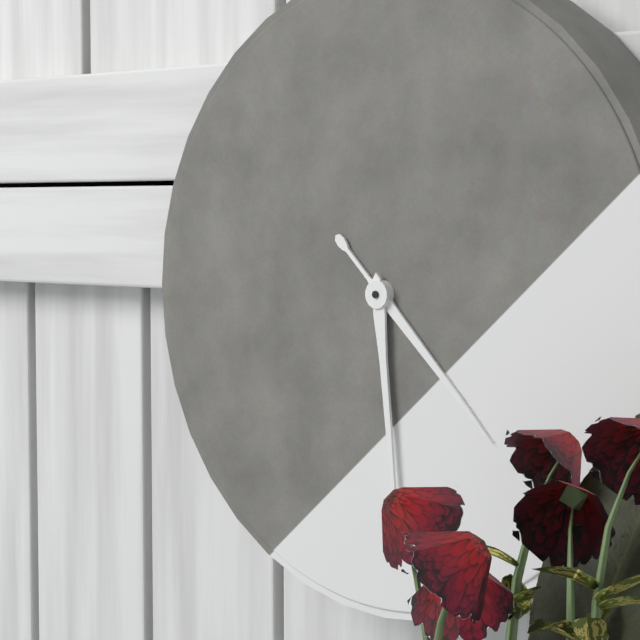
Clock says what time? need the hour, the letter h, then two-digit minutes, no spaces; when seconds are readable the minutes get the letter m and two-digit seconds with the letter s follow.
4h29
